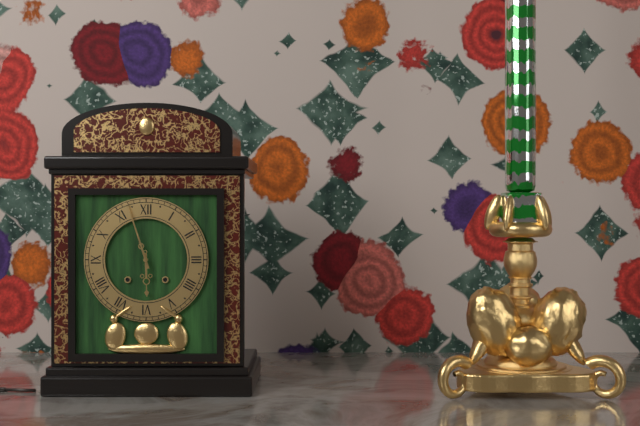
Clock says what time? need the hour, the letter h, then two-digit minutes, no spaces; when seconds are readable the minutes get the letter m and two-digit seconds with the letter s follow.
5h57
